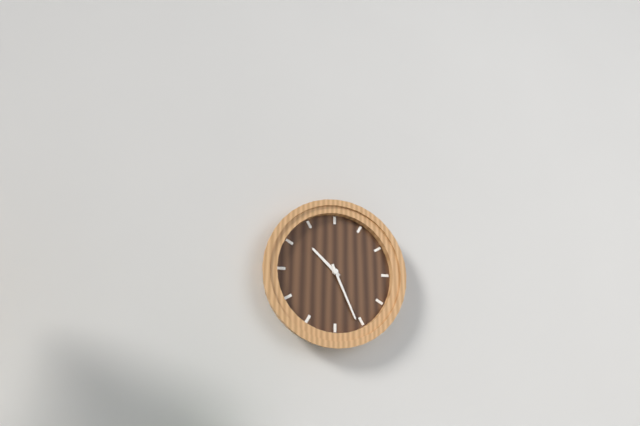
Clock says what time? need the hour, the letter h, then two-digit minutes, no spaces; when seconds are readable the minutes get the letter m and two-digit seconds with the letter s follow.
10h26
